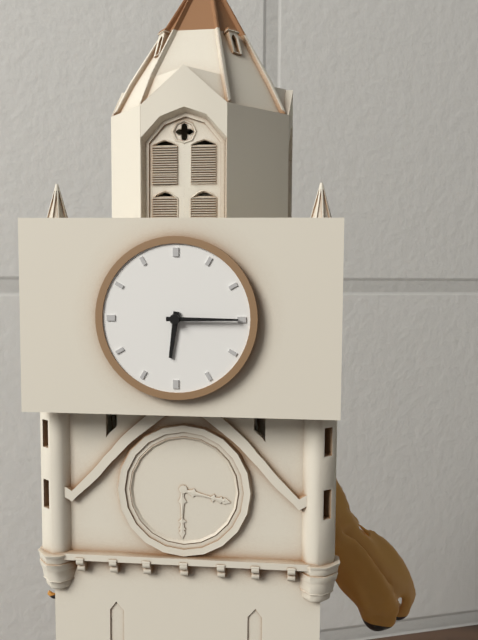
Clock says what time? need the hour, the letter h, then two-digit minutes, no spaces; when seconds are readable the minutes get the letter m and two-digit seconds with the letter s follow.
6h15
